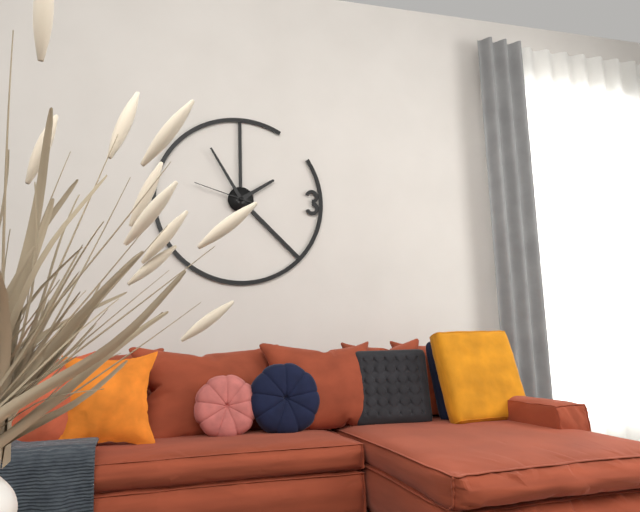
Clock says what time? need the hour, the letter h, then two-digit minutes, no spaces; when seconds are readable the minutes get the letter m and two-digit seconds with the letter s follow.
1h55m48s
